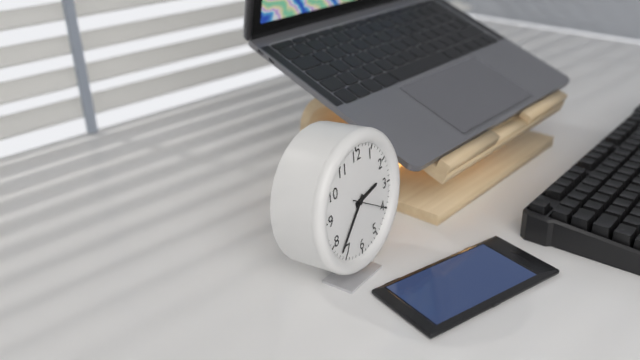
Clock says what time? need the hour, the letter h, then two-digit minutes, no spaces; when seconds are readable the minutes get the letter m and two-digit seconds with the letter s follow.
2h37
